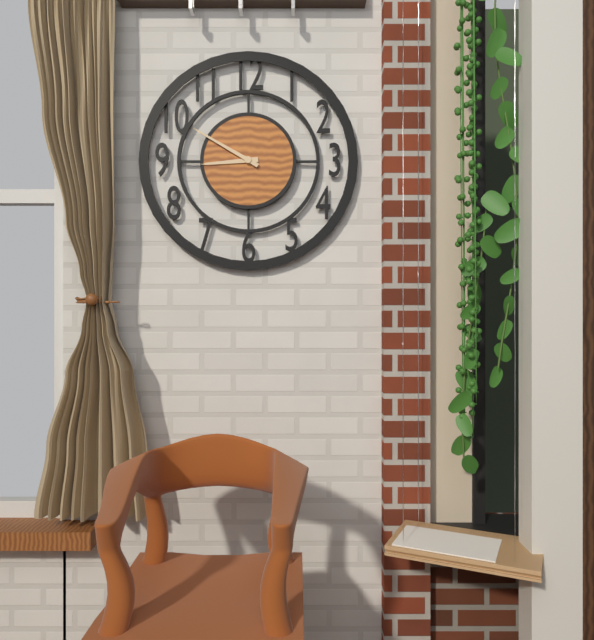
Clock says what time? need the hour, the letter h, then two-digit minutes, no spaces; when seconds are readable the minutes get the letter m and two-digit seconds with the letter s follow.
8h50
